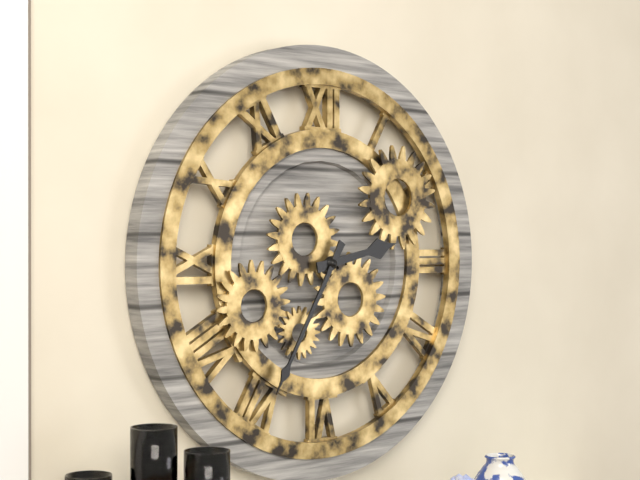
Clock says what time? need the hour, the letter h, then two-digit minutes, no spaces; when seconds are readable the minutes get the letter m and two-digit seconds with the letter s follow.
2h35
